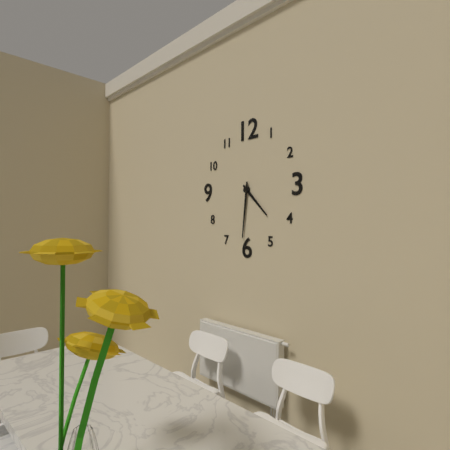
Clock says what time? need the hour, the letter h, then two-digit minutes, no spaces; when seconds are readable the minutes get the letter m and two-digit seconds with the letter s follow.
4h31
